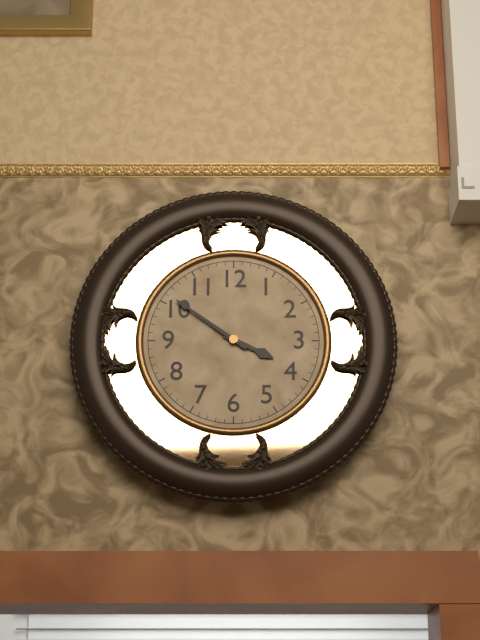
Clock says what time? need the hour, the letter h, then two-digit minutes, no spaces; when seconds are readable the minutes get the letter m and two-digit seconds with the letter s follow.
3h51
